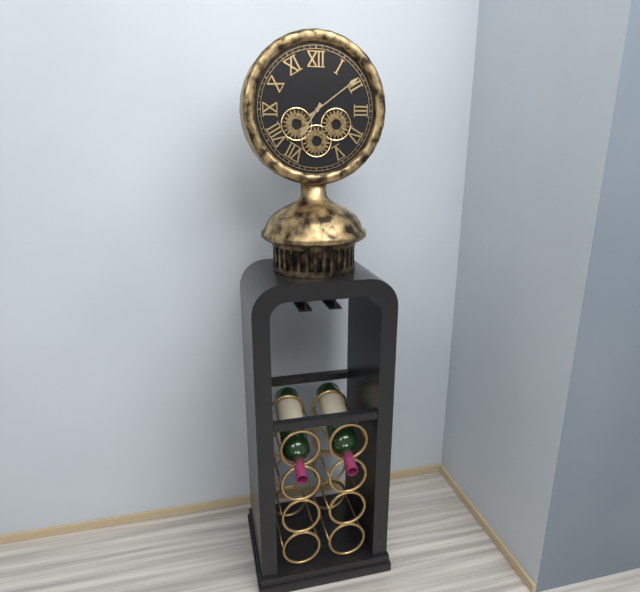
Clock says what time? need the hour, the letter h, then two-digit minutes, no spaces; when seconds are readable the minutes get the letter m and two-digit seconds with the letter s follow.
7h09
